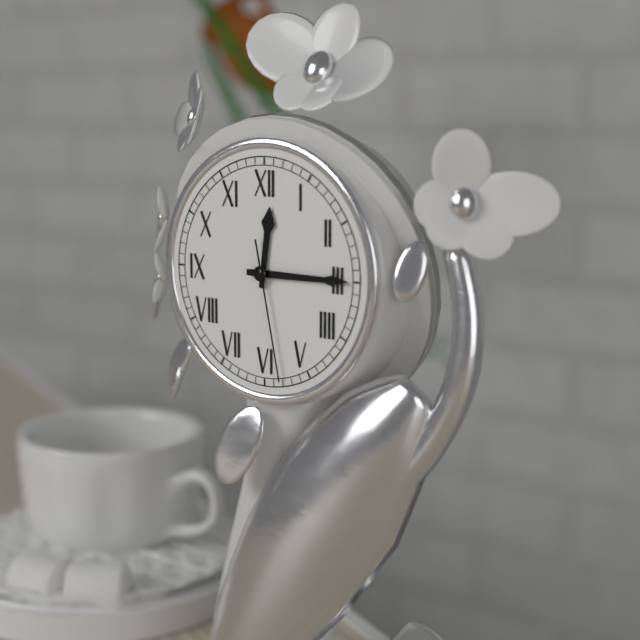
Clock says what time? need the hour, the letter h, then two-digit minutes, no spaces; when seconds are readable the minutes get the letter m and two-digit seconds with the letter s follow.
12h15m28s
